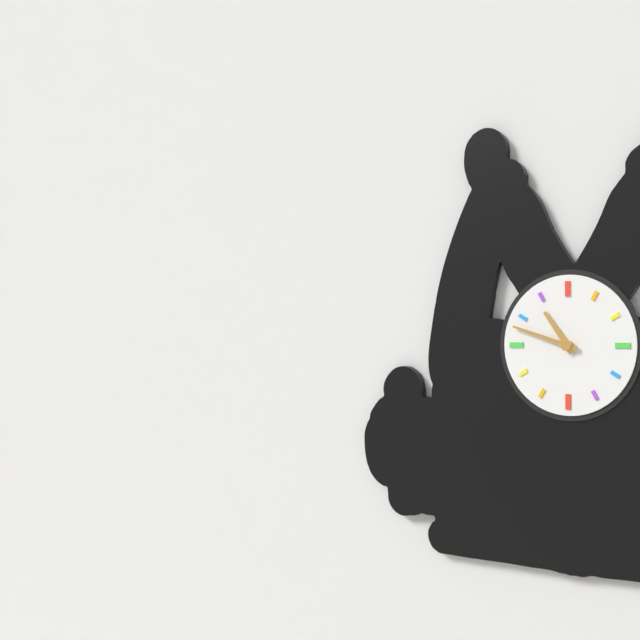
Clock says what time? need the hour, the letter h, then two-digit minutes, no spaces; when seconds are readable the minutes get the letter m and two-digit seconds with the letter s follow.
10h48
